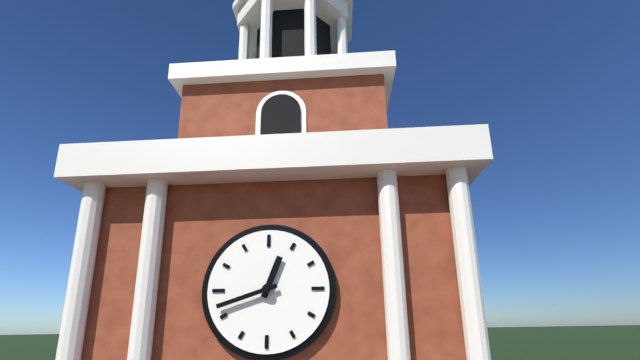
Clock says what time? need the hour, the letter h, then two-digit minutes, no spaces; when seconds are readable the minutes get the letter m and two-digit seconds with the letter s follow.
12h42
